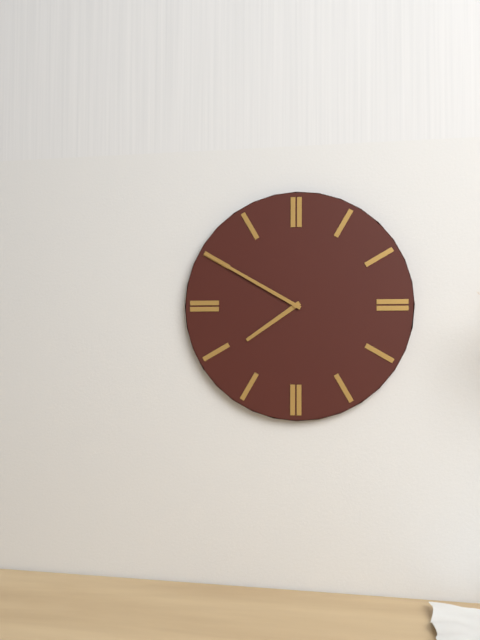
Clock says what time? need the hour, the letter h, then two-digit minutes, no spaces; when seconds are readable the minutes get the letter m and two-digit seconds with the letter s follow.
7h50
